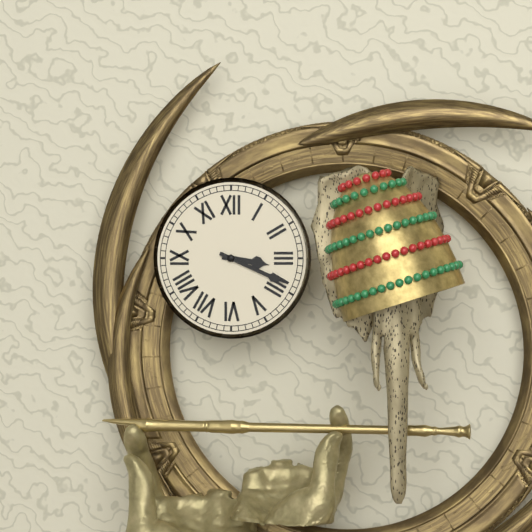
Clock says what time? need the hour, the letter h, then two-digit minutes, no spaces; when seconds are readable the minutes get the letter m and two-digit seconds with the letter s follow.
3h19
